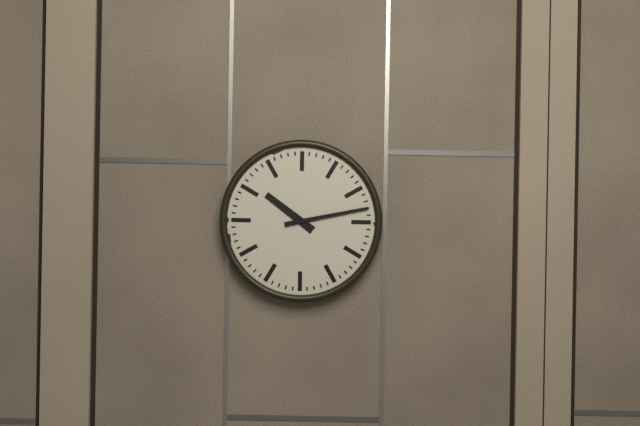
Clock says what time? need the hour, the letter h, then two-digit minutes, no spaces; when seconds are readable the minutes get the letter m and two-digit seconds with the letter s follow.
10h13
